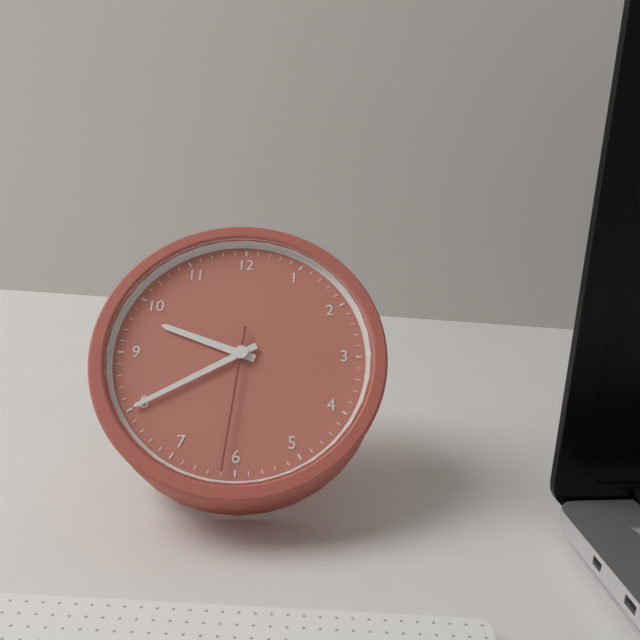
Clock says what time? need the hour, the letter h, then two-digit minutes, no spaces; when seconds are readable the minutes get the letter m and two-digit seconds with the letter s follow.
9h40m31s
